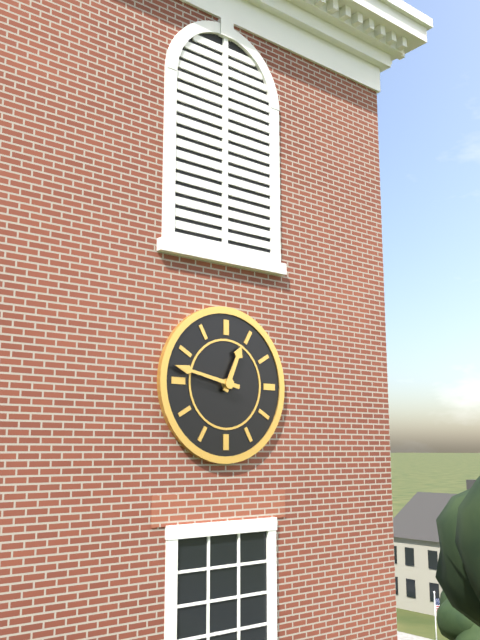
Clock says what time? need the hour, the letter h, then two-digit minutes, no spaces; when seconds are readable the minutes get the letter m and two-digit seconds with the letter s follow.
12h47
